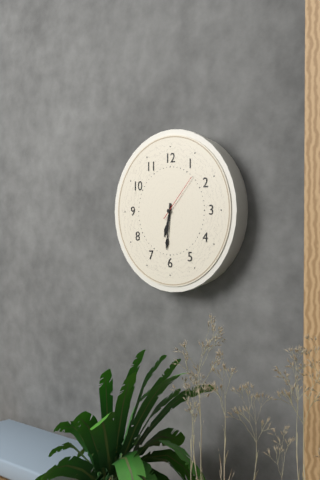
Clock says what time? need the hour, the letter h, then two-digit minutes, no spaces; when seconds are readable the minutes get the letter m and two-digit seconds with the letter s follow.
6h31m07s
